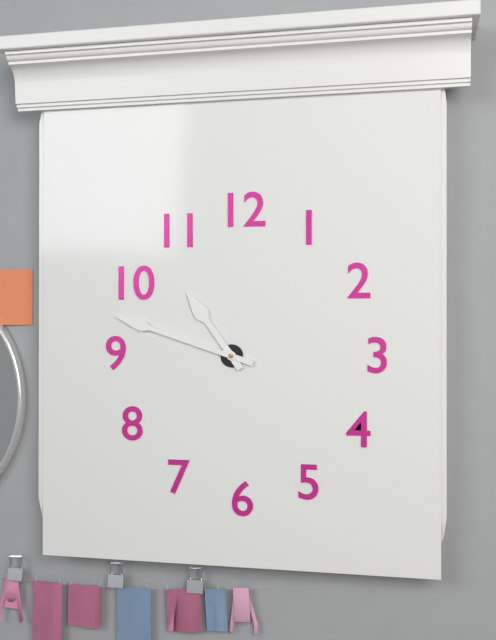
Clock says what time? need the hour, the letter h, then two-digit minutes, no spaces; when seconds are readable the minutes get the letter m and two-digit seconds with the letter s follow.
10h48
